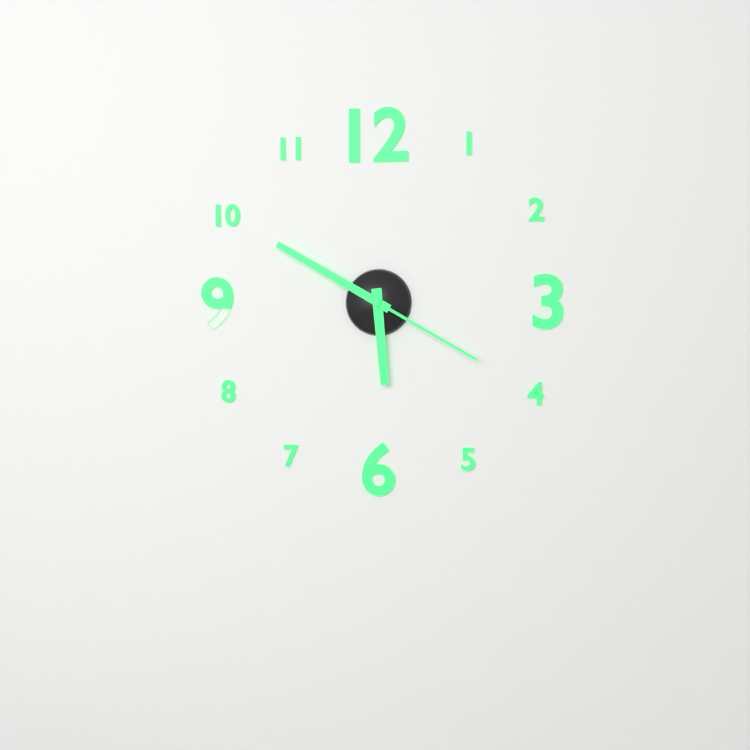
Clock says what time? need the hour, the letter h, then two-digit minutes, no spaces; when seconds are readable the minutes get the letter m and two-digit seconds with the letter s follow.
5h50m20s
